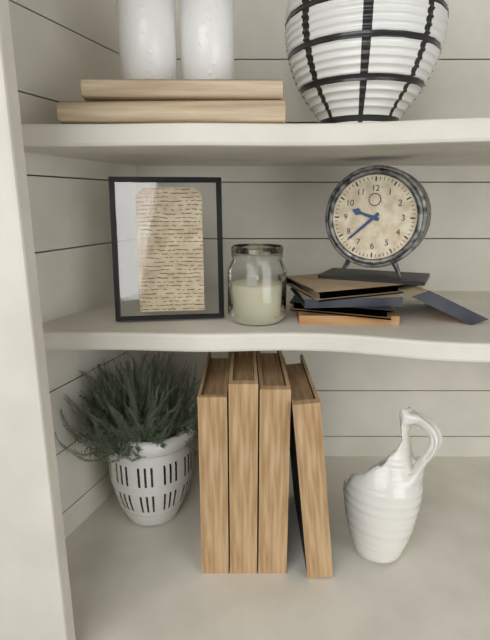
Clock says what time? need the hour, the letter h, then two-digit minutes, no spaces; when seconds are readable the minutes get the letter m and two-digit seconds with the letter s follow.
9h38
